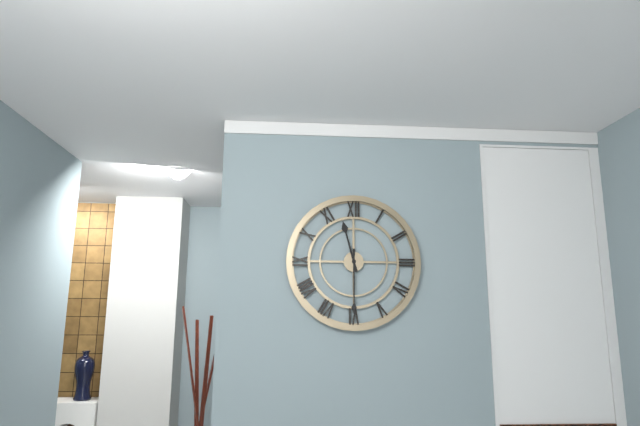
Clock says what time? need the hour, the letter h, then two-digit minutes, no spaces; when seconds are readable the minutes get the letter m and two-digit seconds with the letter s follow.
11h30
